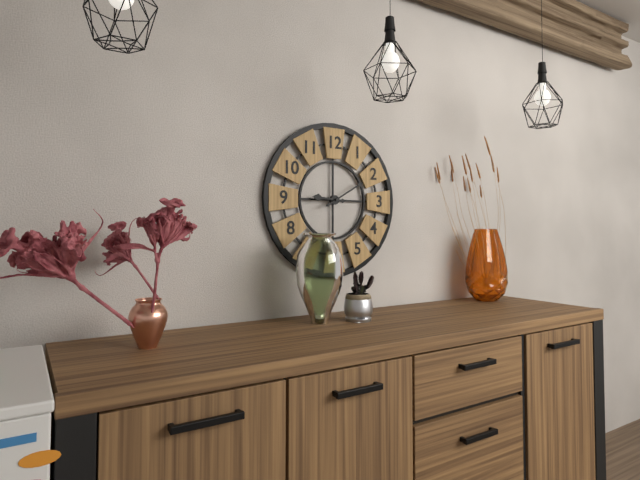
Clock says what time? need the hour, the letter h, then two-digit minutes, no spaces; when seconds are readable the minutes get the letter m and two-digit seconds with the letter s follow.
9h10
